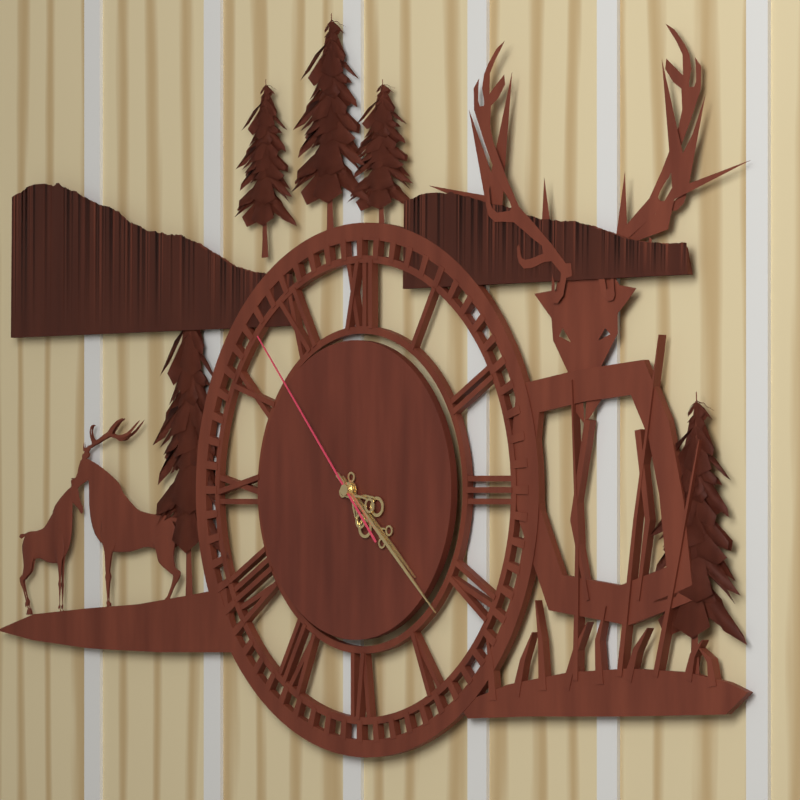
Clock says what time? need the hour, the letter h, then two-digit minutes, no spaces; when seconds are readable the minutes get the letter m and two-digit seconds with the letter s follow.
4h22m53s
